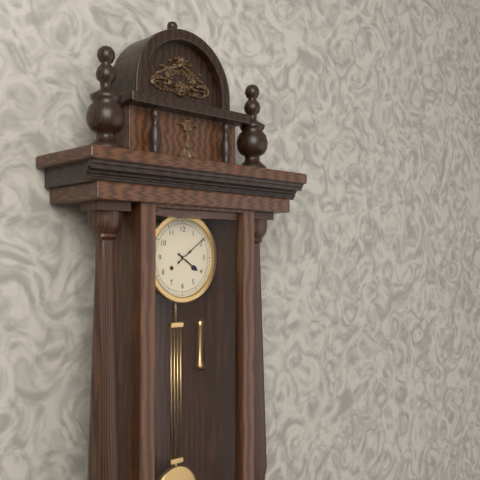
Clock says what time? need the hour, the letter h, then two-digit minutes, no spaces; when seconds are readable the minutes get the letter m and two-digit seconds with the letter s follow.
4h09
